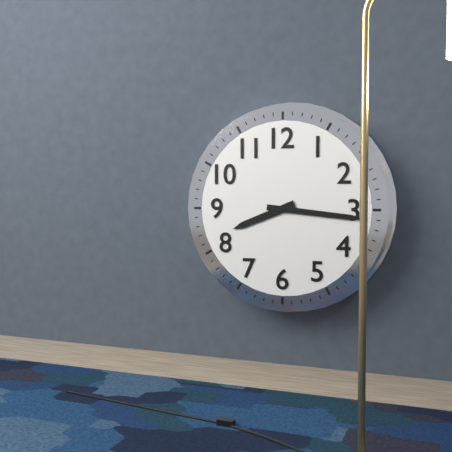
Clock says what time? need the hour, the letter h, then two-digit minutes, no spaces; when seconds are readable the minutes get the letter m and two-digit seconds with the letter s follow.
8h16
